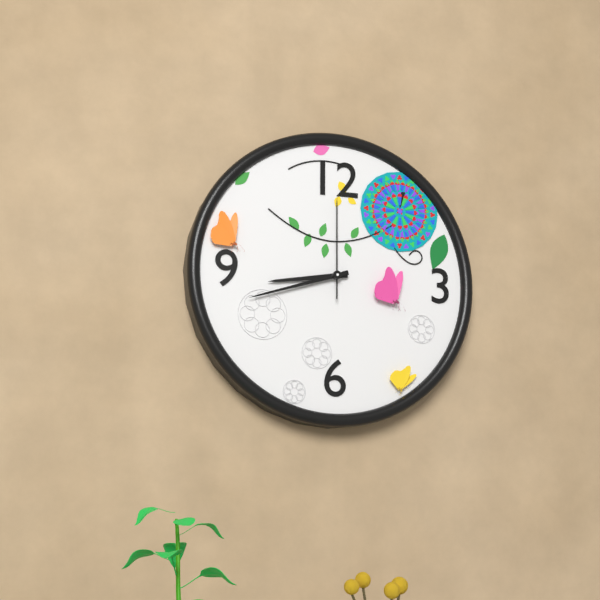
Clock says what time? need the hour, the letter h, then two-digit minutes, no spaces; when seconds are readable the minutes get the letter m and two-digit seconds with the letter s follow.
8h42m00s
